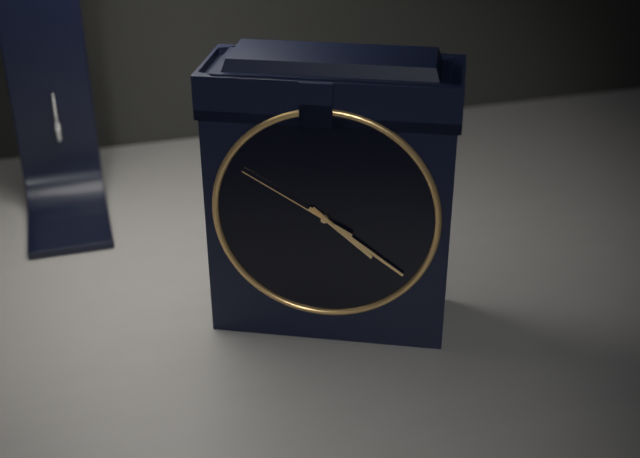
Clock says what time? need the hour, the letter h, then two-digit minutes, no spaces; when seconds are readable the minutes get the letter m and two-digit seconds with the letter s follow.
4h21m50s
